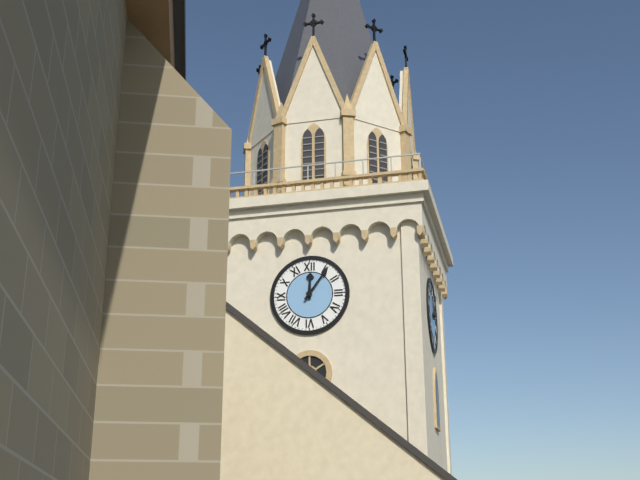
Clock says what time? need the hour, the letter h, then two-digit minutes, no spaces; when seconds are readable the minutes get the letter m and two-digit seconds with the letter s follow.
12h06
